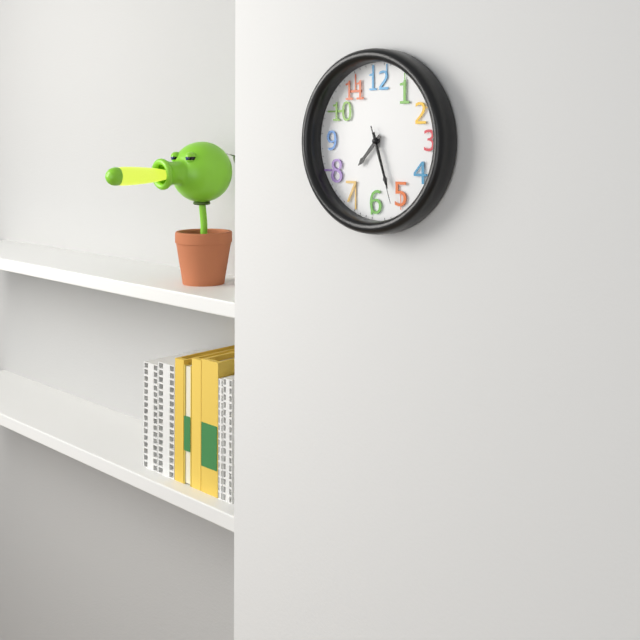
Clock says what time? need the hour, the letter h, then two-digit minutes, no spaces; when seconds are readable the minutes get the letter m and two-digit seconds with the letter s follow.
7h27m27s
